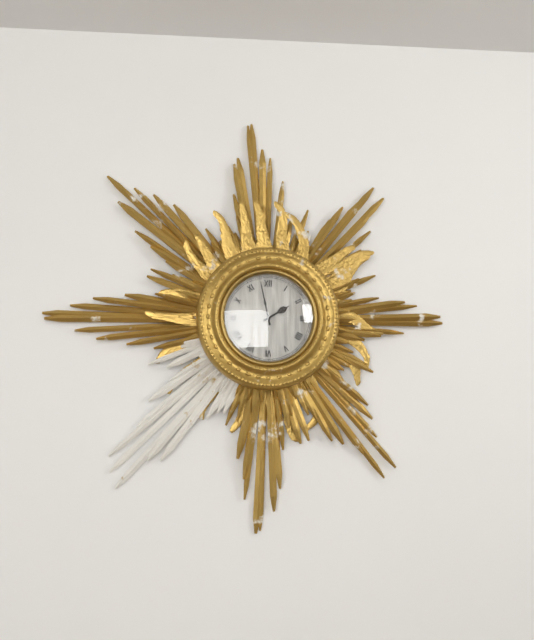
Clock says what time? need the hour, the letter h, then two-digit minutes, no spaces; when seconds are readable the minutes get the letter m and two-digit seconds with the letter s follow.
1h58
